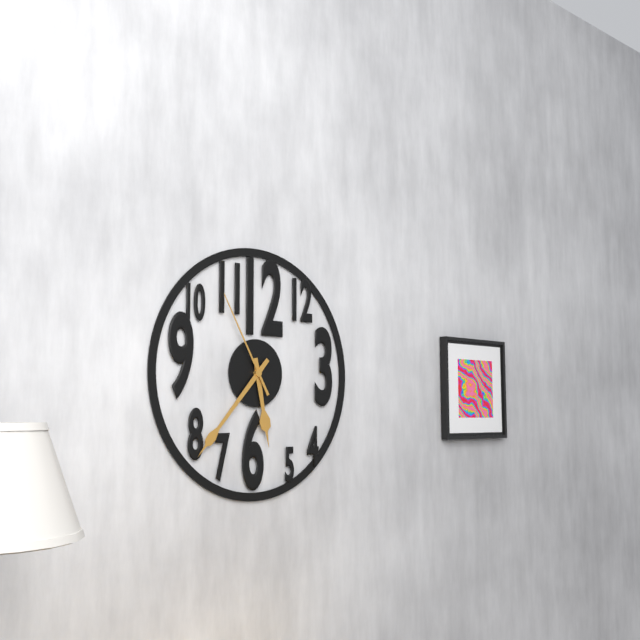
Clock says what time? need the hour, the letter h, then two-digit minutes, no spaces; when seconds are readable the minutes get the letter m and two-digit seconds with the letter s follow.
5h37m55s
